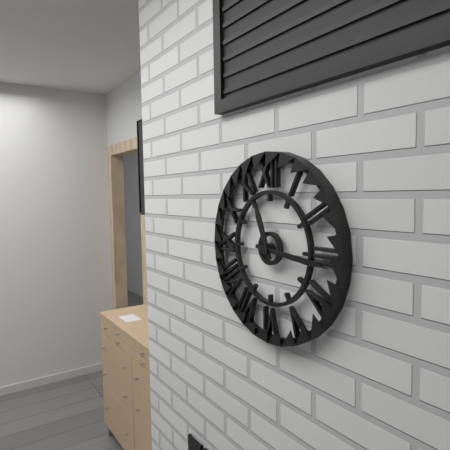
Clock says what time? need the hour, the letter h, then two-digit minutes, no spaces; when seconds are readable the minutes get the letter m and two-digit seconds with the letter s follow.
11h16
